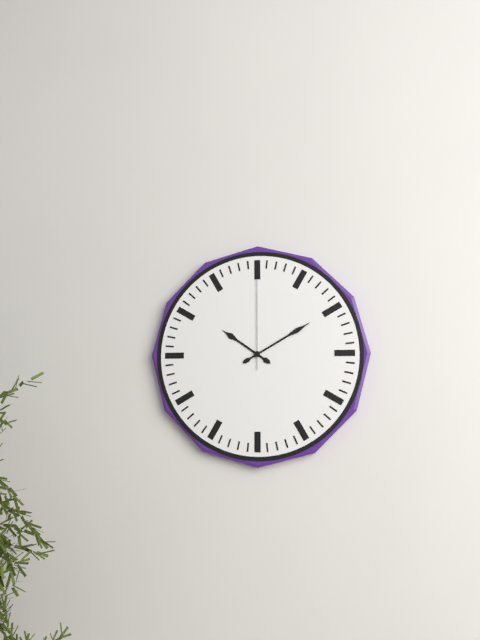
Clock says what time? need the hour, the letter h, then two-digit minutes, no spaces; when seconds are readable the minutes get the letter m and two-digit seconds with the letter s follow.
10h10m00s
